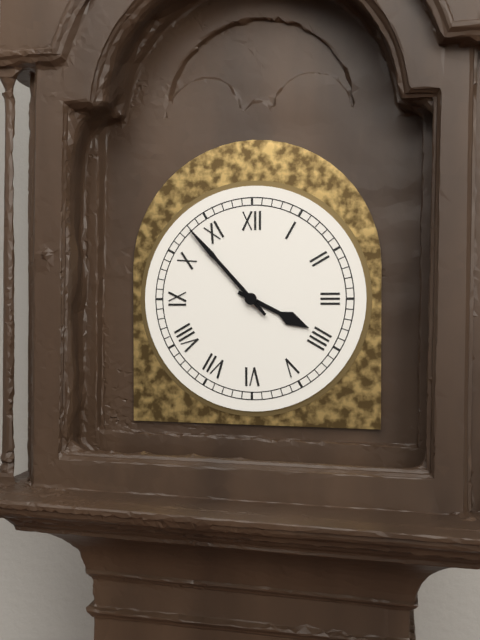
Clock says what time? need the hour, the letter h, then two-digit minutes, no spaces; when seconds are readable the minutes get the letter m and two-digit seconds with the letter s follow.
3h53
